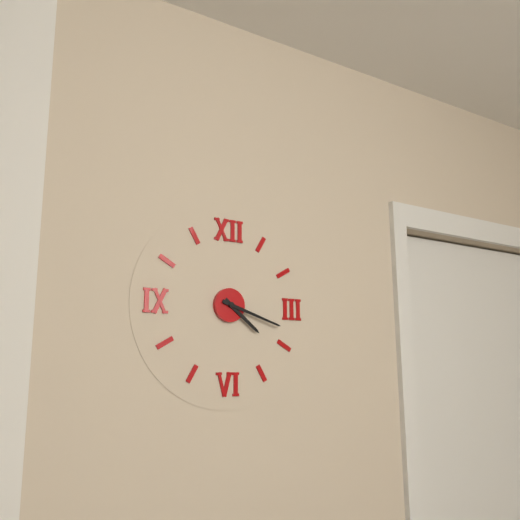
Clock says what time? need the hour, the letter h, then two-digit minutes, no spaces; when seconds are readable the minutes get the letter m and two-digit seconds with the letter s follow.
4h18
